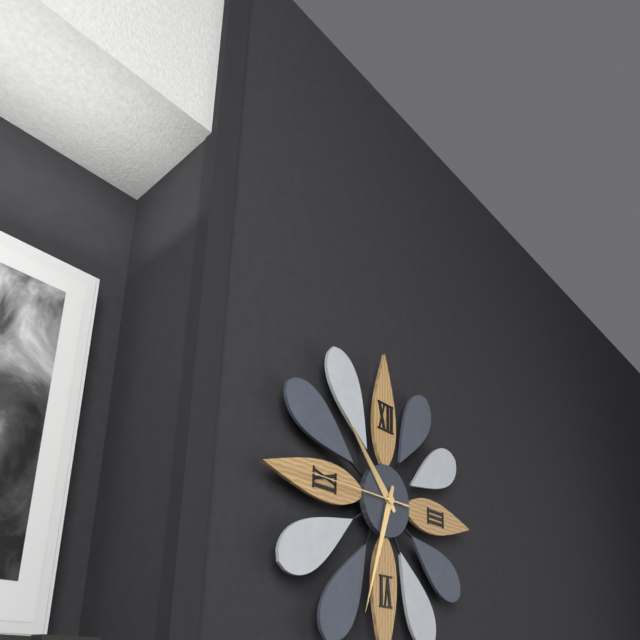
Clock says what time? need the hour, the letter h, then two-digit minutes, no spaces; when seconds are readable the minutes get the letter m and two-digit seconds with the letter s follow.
10h33m45s
